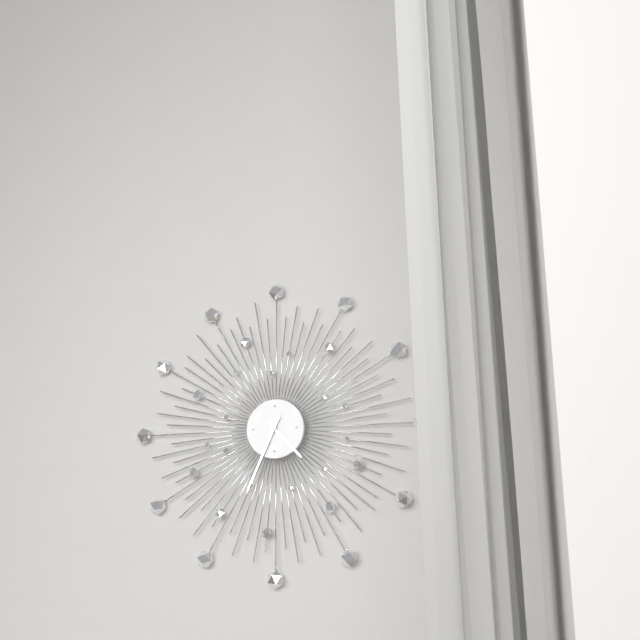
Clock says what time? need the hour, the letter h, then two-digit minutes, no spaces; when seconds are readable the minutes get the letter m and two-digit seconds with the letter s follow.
4h34
